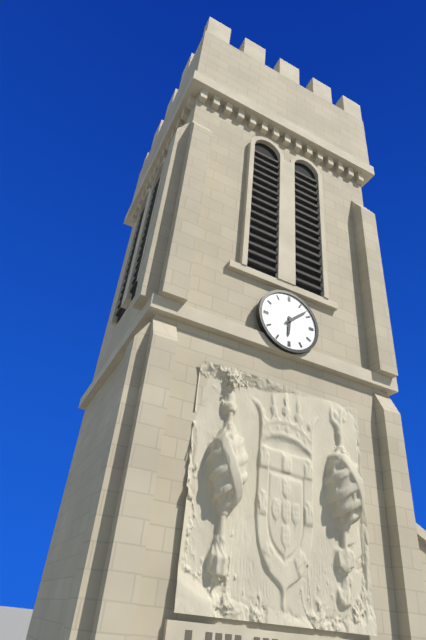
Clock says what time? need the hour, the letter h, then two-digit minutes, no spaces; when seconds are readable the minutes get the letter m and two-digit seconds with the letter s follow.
6h08
